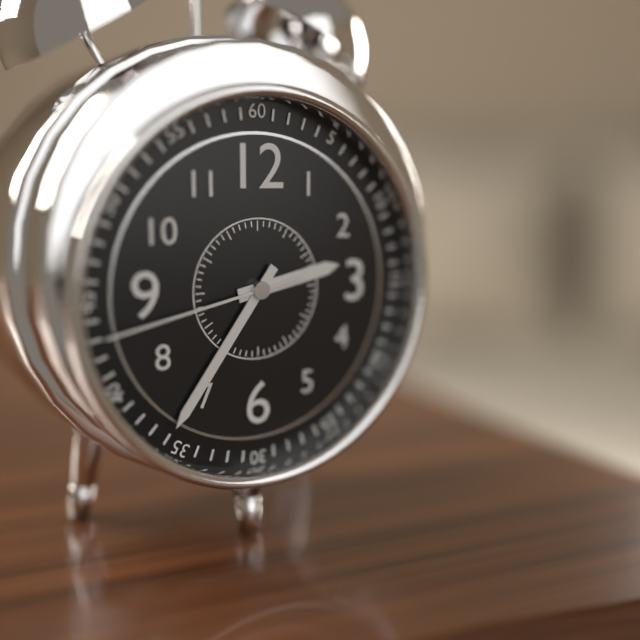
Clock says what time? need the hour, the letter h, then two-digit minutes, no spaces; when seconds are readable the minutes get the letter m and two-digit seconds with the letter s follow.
2h36m43s
